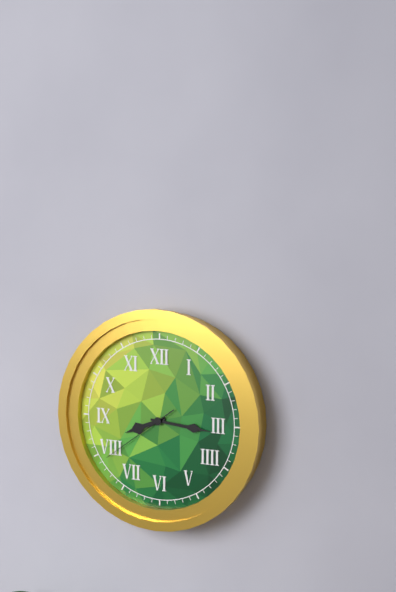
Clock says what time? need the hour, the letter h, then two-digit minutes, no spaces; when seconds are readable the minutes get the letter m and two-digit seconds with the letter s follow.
8h16m39s
